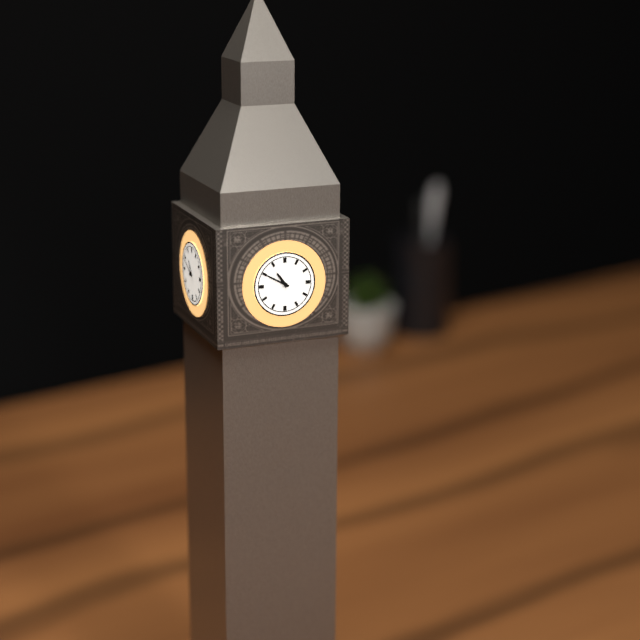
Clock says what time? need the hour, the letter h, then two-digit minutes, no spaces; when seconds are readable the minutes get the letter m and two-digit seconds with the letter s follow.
10h50
